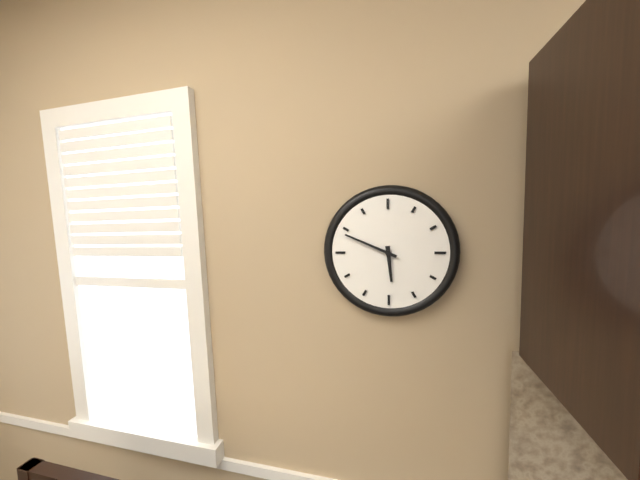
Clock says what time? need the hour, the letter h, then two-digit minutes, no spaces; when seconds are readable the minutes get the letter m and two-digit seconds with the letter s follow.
5h49
